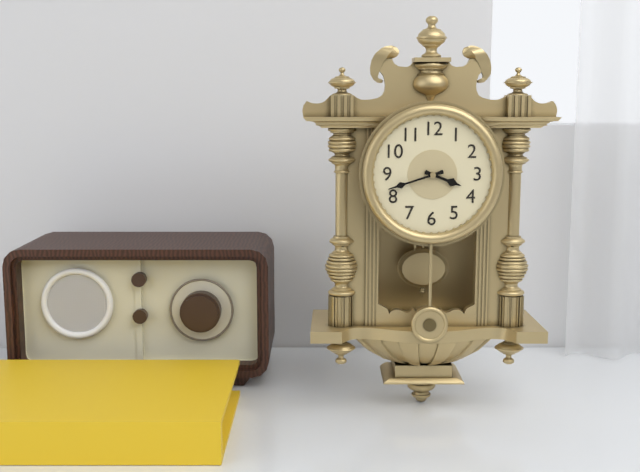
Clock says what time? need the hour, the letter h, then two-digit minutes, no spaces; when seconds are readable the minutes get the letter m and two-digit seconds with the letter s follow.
3h42
